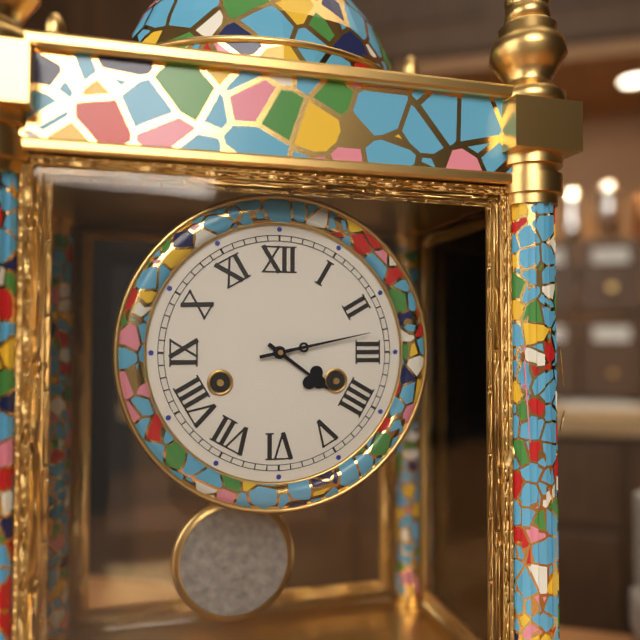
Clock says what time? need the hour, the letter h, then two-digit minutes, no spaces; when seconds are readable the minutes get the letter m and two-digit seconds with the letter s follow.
4h13
